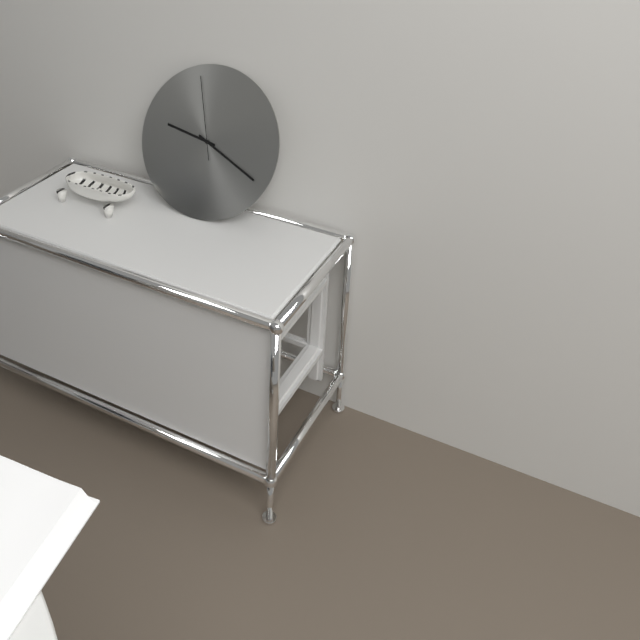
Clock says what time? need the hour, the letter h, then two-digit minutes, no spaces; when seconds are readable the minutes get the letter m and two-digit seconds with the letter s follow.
9h19m57s
